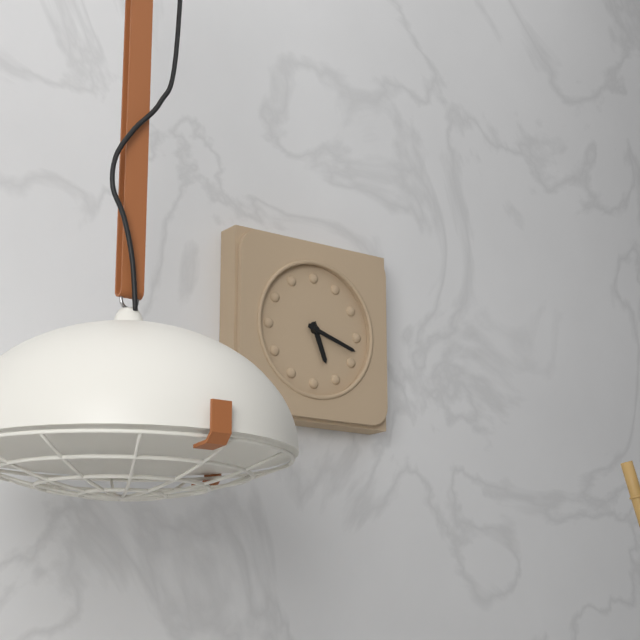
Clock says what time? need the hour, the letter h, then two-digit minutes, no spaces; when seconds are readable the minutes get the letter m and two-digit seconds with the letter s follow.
5h18
